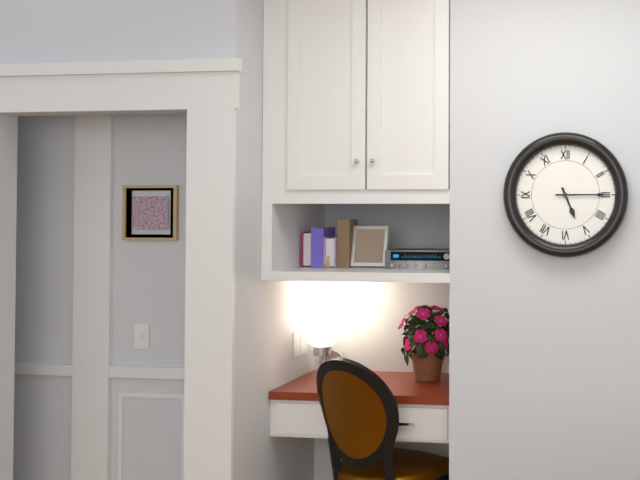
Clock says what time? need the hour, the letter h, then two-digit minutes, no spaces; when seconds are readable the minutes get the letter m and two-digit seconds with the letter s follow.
5h15
